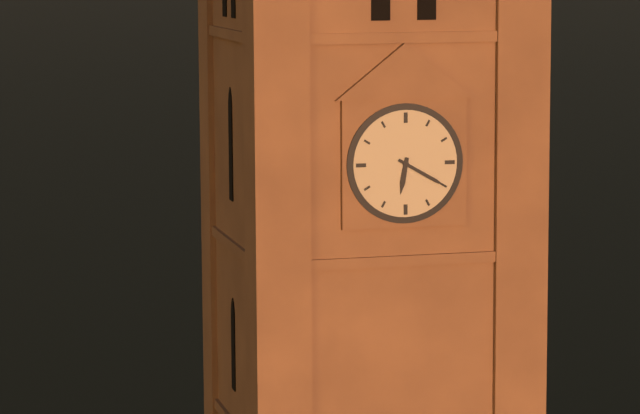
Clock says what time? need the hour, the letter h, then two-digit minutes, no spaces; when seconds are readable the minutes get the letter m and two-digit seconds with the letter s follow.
6h20
